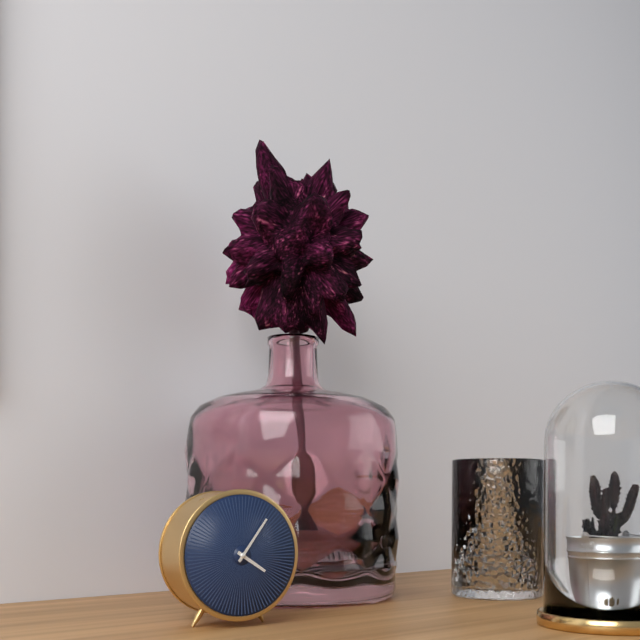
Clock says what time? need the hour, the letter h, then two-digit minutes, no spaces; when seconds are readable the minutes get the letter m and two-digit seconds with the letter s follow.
4h06
